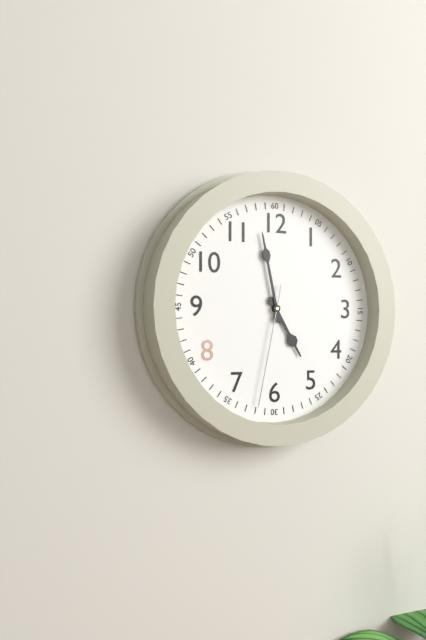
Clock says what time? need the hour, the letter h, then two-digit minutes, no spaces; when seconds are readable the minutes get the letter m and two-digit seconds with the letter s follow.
4h58m32s
